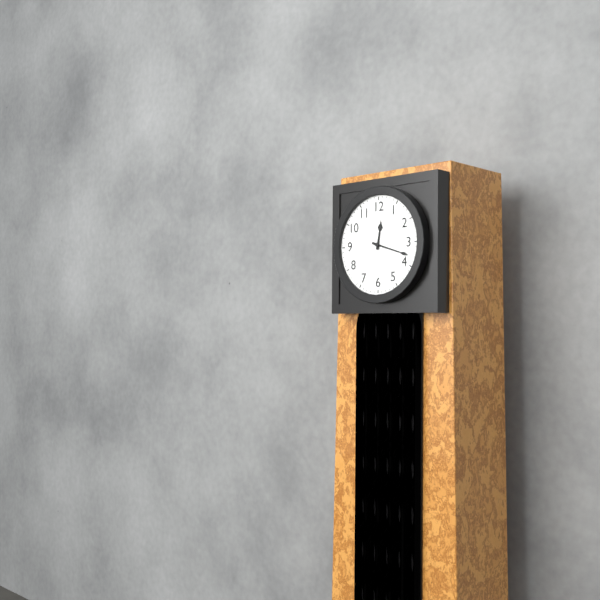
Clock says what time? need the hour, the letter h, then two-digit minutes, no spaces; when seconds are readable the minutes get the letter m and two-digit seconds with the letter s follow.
12h18
